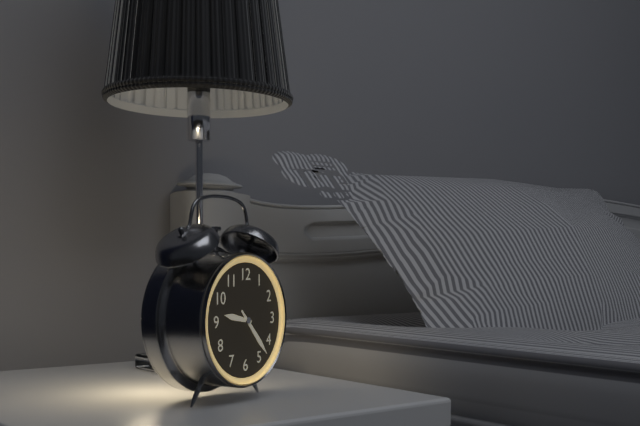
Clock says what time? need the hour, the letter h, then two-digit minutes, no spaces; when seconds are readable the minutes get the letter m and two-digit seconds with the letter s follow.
9h23
